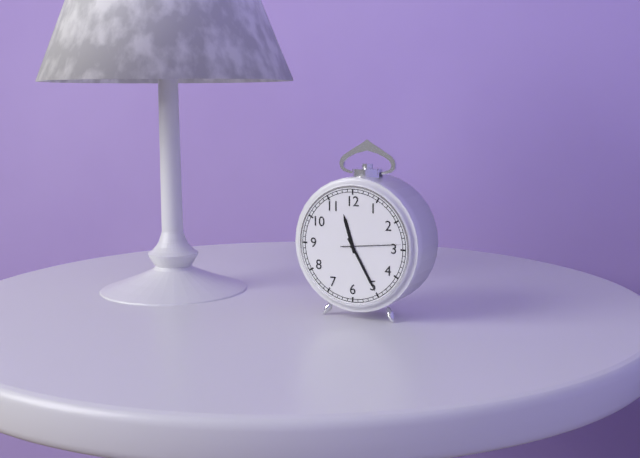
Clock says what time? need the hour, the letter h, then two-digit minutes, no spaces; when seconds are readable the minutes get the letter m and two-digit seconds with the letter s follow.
11h25m14s
